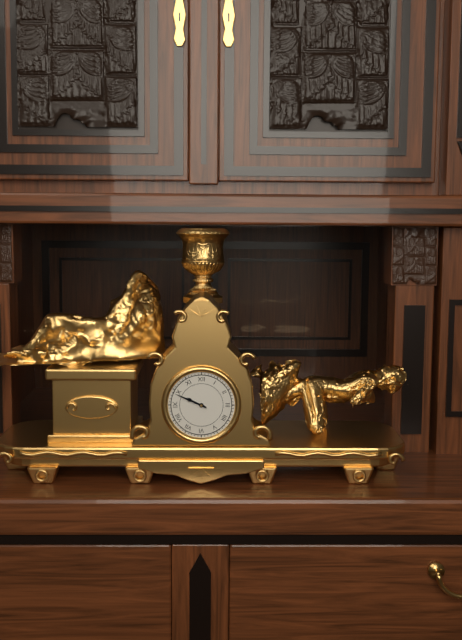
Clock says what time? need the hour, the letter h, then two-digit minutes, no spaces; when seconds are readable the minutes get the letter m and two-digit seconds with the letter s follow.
9h49
